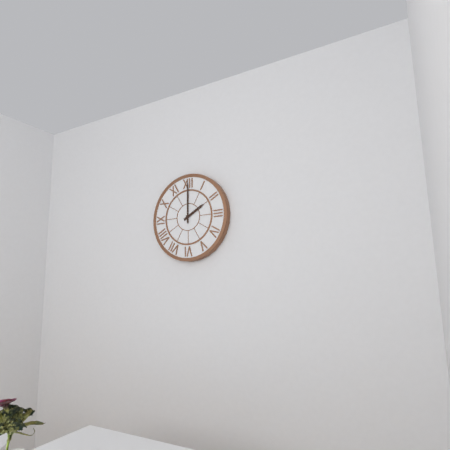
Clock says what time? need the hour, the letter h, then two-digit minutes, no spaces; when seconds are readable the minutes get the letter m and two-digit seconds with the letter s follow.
2h00
